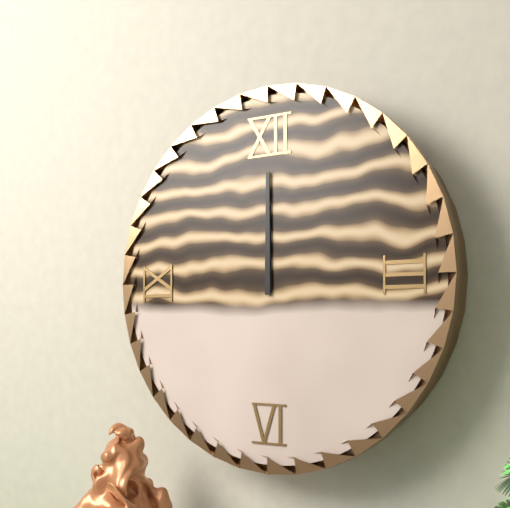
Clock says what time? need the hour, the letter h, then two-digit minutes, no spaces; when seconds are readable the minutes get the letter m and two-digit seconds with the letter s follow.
12h00
